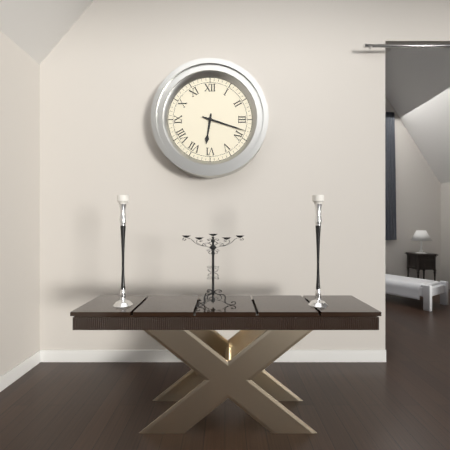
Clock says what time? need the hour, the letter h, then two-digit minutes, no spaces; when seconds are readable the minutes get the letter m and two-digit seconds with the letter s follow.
6h18
